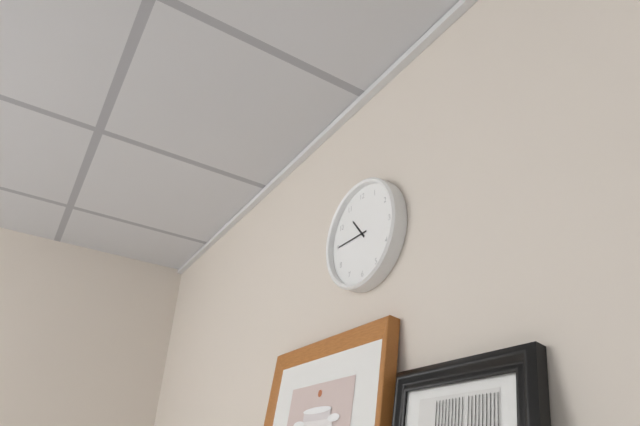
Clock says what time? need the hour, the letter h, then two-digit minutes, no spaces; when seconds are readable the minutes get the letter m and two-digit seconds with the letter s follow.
10h45
